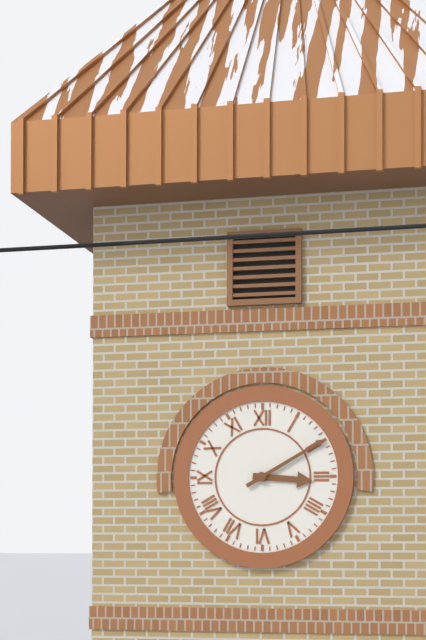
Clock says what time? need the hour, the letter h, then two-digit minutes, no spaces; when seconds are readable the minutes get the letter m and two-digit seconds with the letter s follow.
3h10
